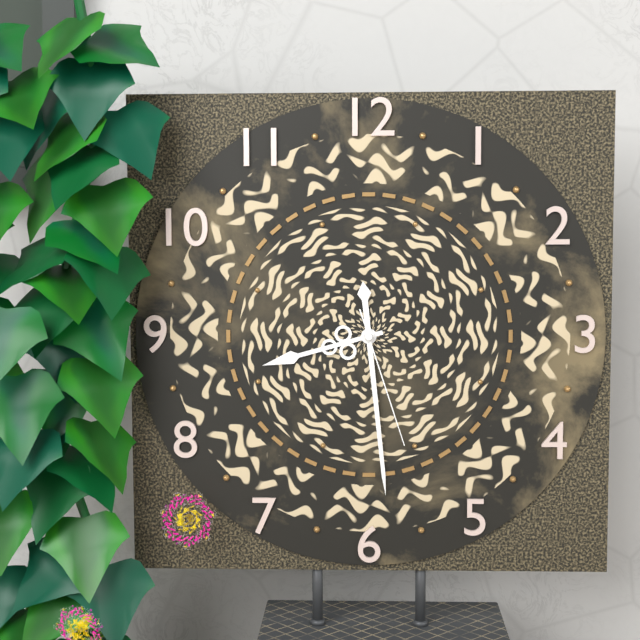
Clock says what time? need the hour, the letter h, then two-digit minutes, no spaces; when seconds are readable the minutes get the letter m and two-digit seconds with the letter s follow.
8h29m27s
